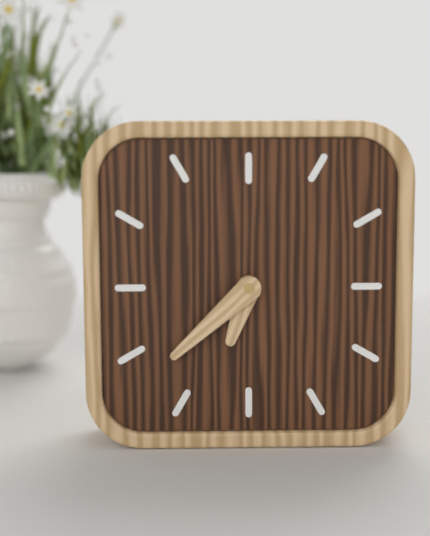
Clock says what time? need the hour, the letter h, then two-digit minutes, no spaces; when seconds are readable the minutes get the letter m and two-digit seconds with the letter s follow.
6h38
